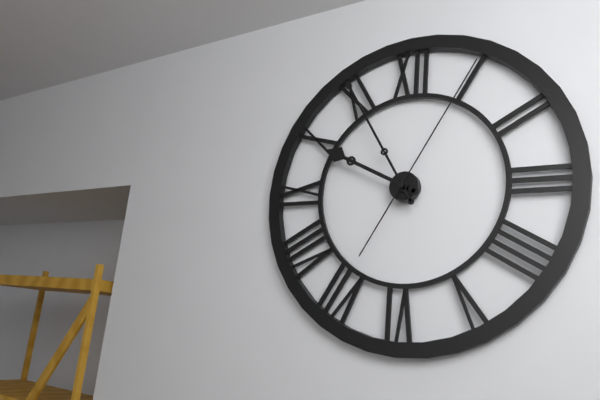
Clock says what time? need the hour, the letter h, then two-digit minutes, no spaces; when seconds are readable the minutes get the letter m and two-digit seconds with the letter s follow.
9h55m05s
